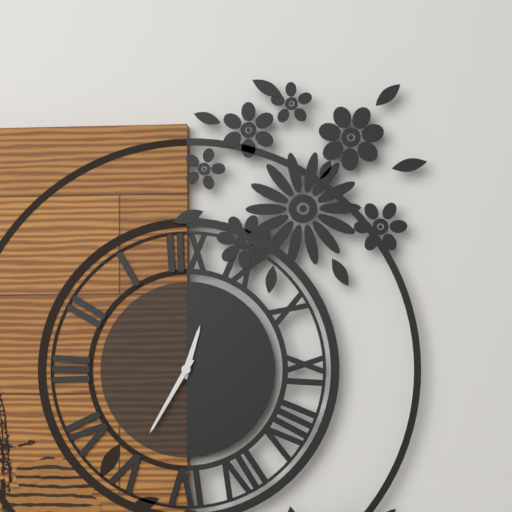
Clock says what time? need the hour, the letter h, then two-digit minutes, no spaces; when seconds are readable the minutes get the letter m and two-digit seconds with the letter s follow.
12h35
